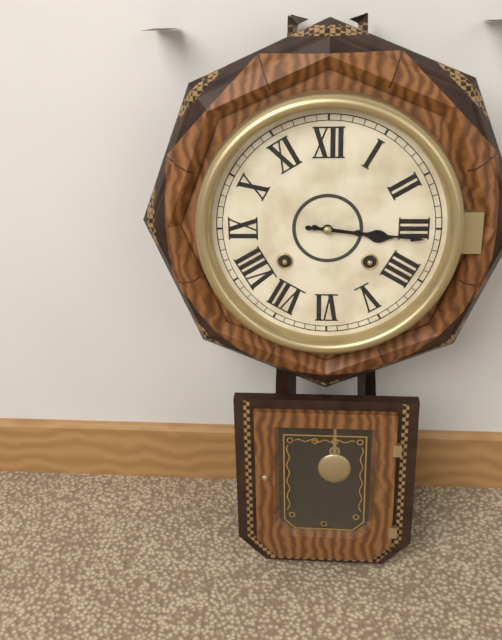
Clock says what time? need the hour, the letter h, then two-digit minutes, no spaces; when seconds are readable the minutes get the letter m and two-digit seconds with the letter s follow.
3h16
